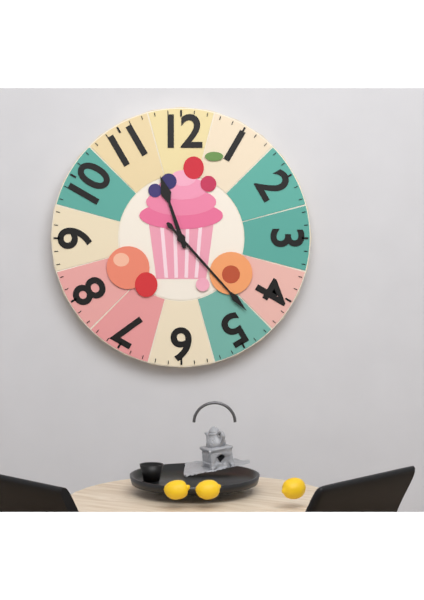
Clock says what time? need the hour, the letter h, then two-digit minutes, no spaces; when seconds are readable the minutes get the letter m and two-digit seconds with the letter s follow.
11h23
